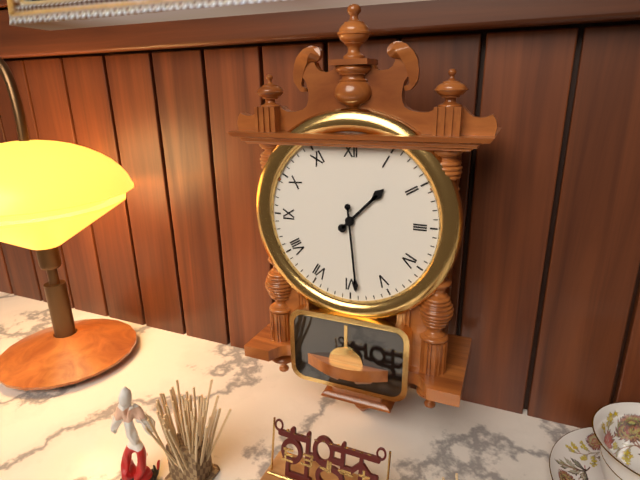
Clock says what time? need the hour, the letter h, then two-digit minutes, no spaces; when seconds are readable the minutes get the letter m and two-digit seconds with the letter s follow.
1h29
